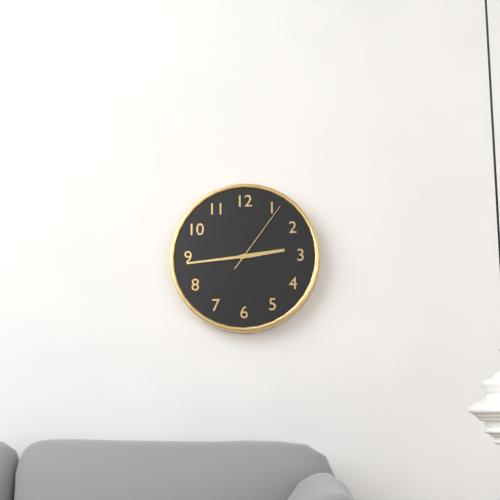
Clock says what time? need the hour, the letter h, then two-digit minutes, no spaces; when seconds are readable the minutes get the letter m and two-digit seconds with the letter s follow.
2h44m06s
